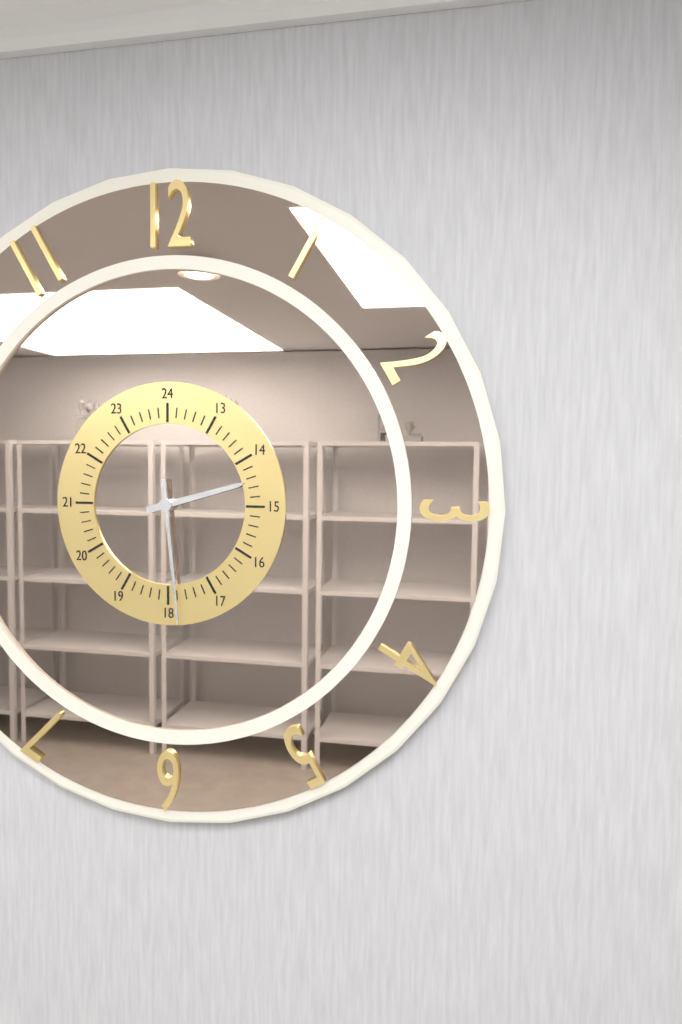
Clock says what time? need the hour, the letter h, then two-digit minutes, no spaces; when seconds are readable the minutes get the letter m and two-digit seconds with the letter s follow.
2h29
